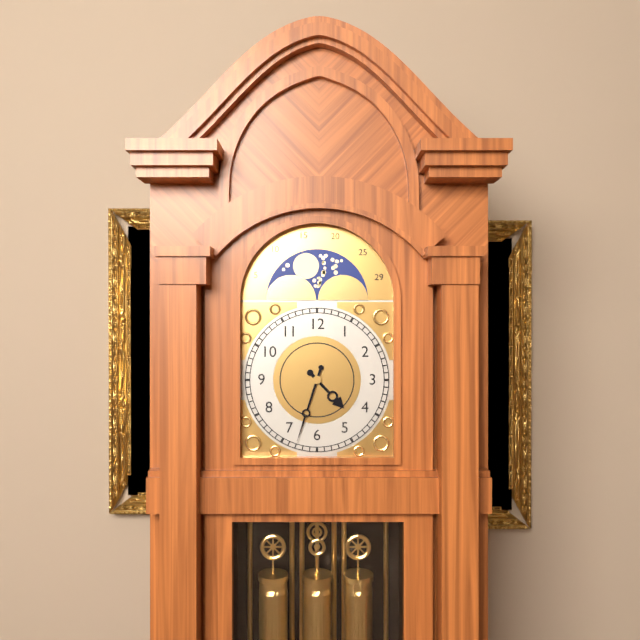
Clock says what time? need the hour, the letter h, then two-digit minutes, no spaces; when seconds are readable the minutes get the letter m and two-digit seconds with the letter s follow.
4h33
